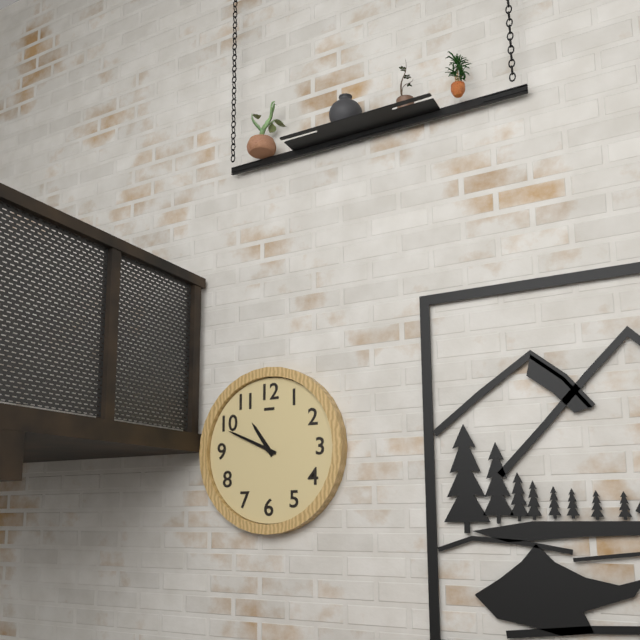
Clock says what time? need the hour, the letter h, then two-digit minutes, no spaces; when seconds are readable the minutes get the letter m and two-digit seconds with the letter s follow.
10h49
